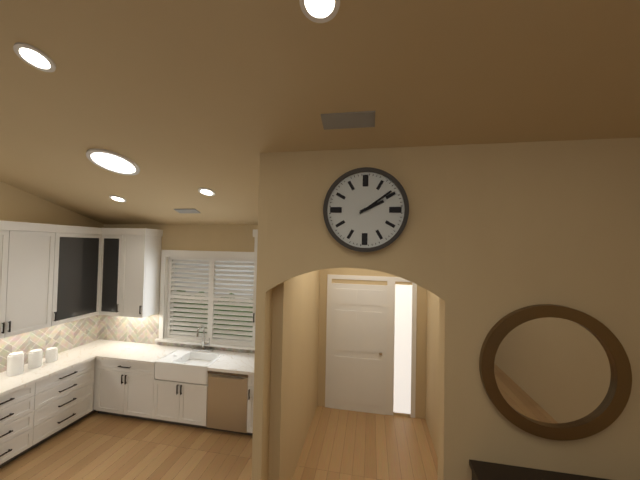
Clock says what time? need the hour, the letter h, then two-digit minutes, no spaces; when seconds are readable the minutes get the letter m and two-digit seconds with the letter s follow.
2h09
